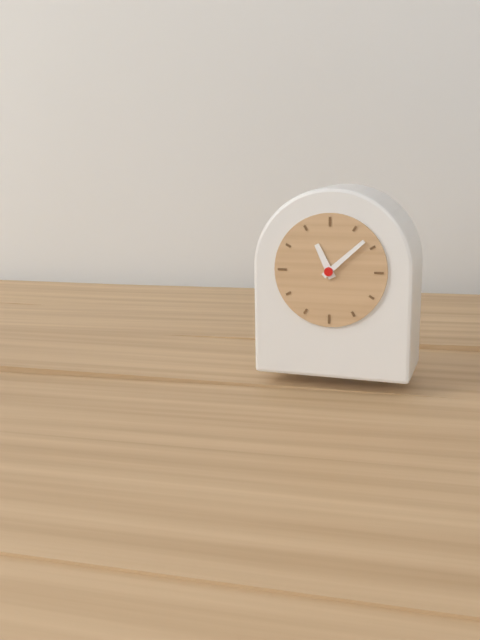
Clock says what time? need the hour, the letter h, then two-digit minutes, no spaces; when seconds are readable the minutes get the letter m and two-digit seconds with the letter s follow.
11h08
